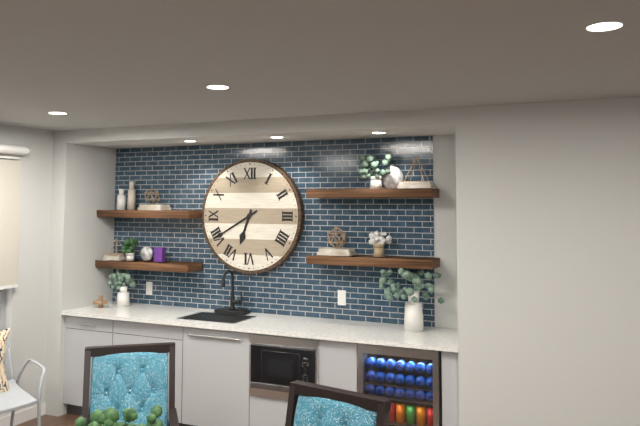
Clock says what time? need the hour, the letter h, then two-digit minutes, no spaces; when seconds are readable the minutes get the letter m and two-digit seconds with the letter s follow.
6h40
